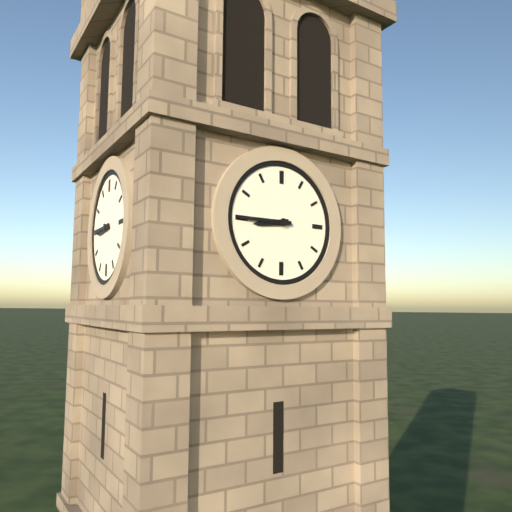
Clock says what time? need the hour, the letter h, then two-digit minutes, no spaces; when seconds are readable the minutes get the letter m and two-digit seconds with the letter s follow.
8h45
